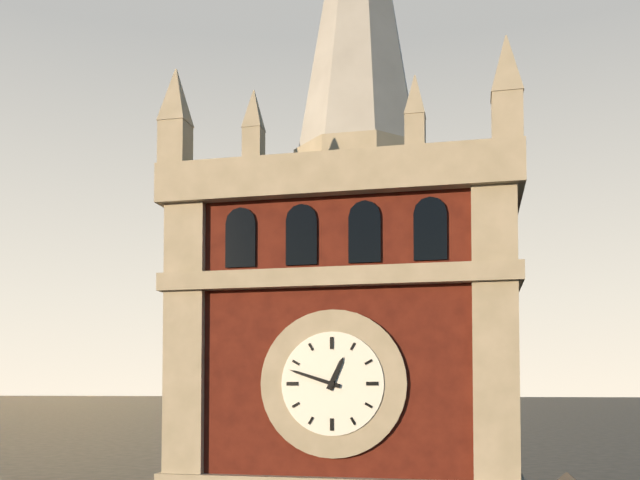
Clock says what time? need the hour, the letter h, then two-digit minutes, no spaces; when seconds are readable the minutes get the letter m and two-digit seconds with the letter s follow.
12h48
